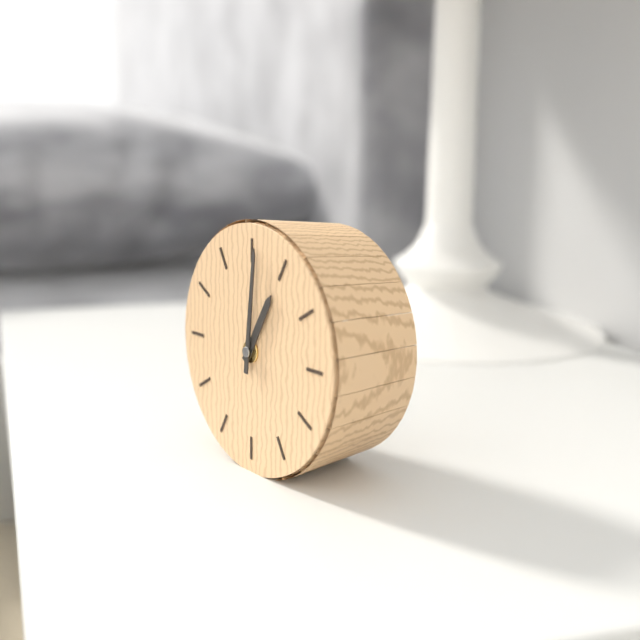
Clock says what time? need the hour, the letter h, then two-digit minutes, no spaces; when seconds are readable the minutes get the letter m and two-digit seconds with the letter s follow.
1h01
